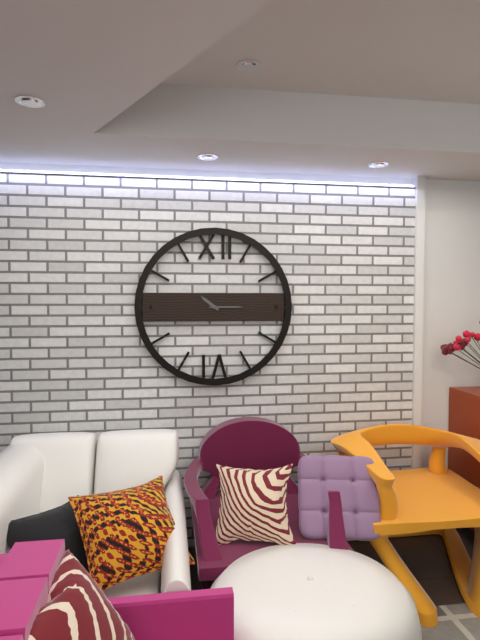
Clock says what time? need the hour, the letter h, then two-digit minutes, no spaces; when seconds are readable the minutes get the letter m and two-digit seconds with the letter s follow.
10h15
